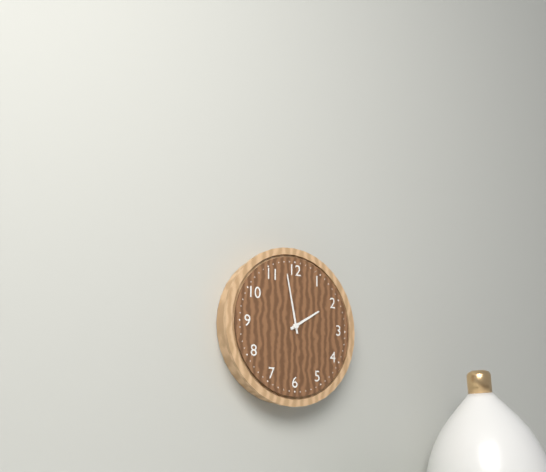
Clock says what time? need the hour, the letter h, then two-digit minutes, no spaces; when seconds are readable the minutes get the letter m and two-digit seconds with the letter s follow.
1h58
